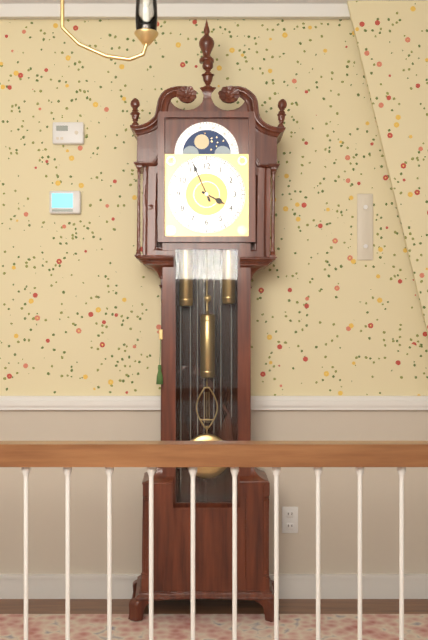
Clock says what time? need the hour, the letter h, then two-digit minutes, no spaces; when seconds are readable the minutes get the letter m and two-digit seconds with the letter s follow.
3h56
